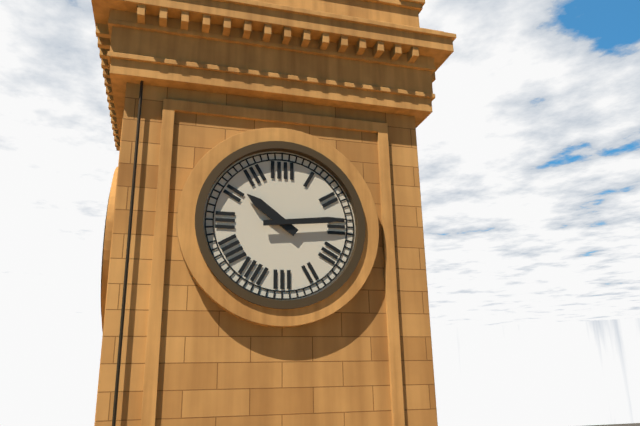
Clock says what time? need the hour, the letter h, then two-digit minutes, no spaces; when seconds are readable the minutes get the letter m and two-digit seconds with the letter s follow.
10h14
